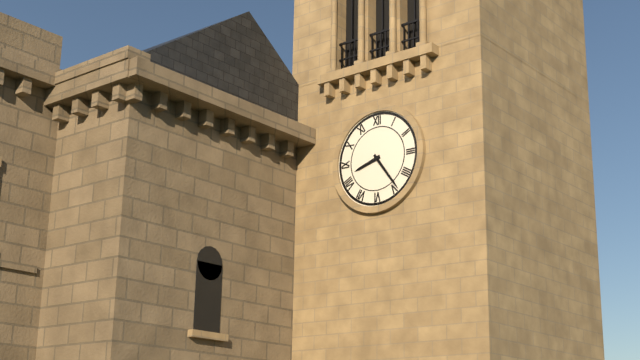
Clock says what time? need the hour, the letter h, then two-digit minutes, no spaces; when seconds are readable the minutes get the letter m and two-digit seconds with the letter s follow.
8h24
